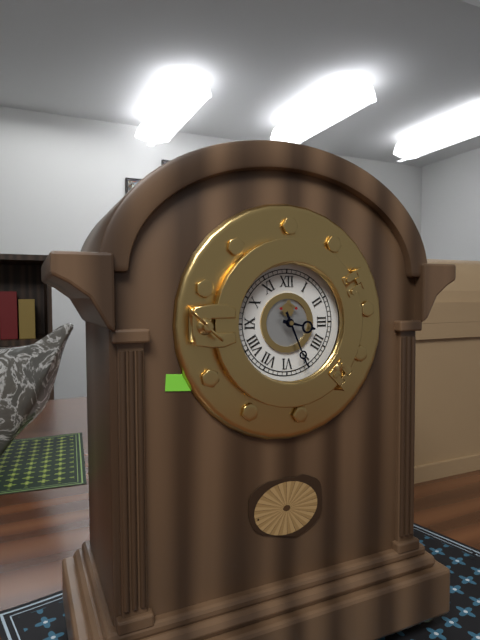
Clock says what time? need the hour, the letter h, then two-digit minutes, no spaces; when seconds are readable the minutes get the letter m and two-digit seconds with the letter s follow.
3h26
